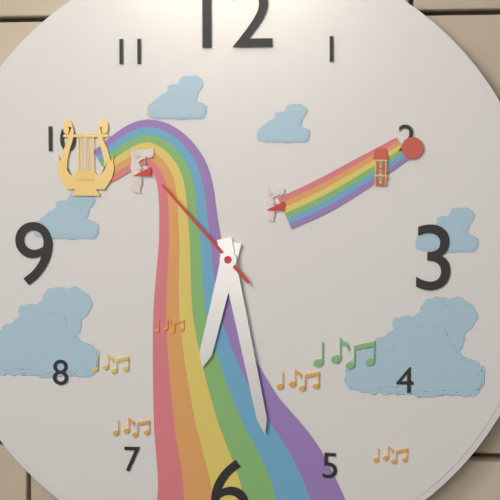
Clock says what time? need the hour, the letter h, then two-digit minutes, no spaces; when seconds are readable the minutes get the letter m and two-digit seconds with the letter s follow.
6h28m53s
